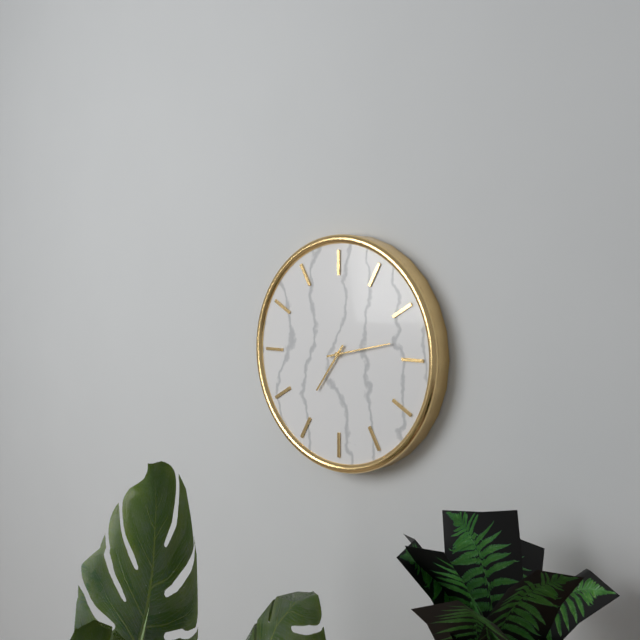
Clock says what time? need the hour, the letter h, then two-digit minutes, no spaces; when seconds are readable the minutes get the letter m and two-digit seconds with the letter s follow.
7h13
